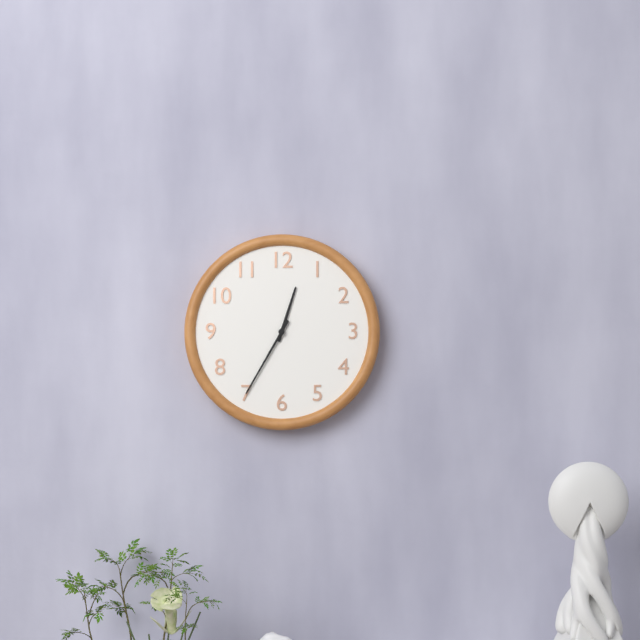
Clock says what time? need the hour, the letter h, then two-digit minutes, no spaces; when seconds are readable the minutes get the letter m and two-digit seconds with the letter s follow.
12h35
